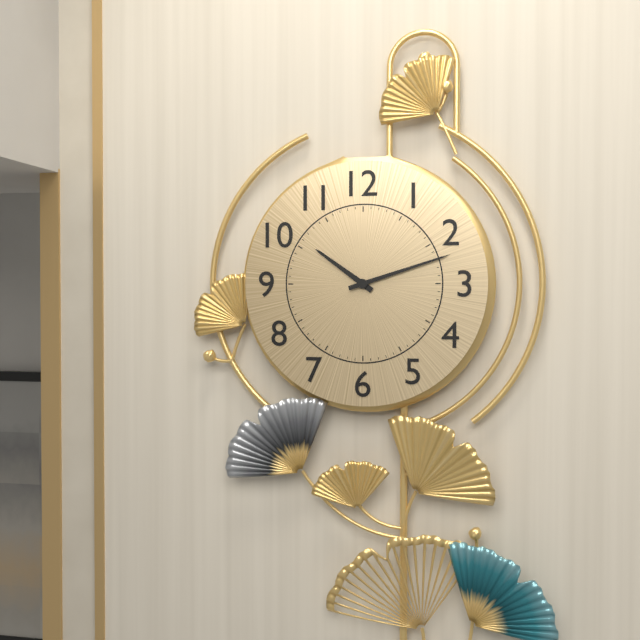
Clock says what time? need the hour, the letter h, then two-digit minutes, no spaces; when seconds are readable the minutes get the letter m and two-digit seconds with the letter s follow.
10h12
